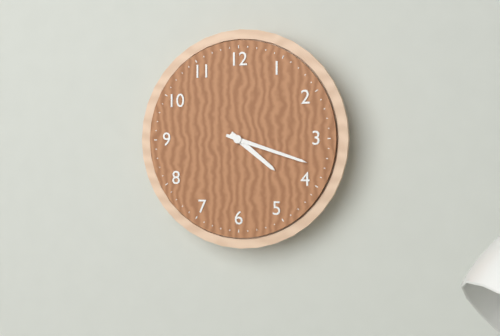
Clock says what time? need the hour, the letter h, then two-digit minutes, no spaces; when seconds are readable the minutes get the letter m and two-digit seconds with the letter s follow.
4h18
